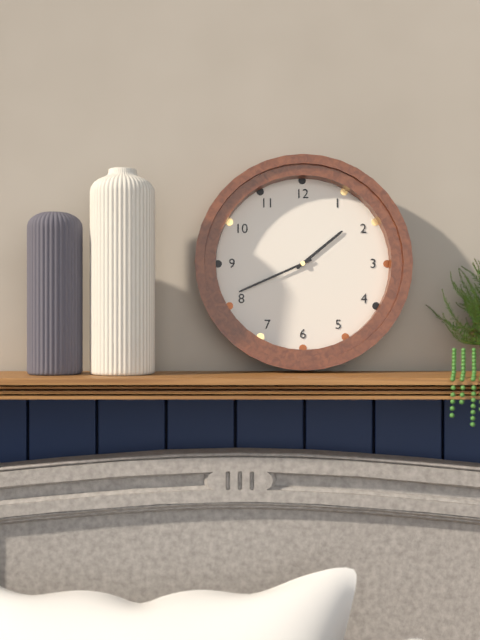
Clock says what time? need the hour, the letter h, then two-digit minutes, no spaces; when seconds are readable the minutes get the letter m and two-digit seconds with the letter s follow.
1h41
